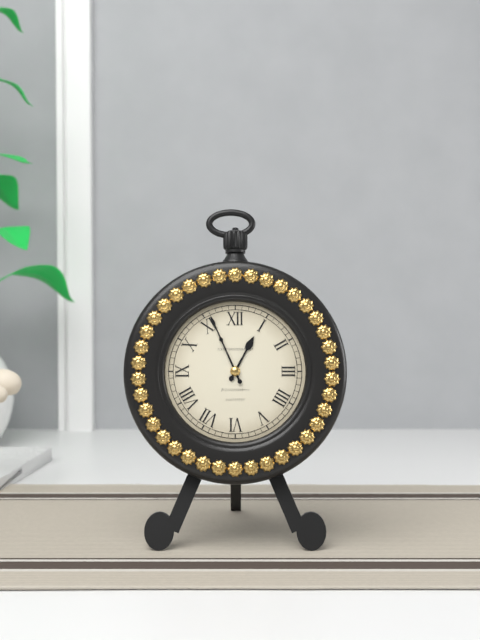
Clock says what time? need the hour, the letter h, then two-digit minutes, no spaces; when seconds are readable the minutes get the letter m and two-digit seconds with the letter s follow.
12h56
